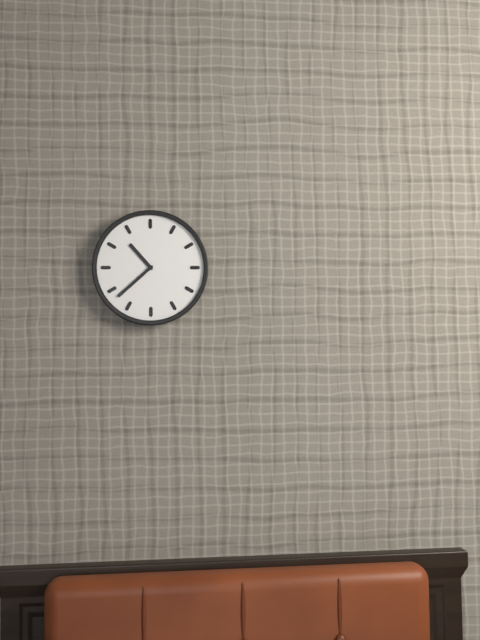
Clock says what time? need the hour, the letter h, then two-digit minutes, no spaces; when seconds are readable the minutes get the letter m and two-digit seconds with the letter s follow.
10h38
